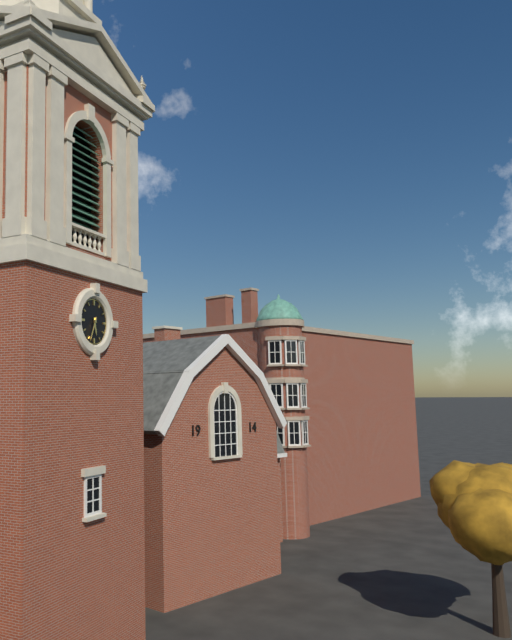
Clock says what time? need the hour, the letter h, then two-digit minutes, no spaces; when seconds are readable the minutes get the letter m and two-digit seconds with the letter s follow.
5h34
